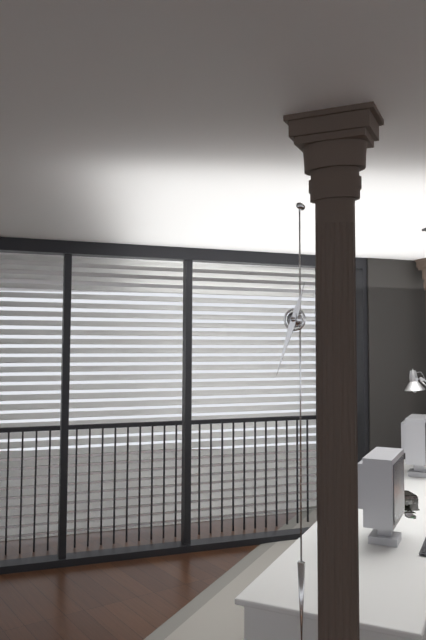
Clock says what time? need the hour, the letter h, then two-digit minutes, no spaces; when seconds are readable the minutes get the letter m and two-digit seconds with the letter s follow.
12h33
